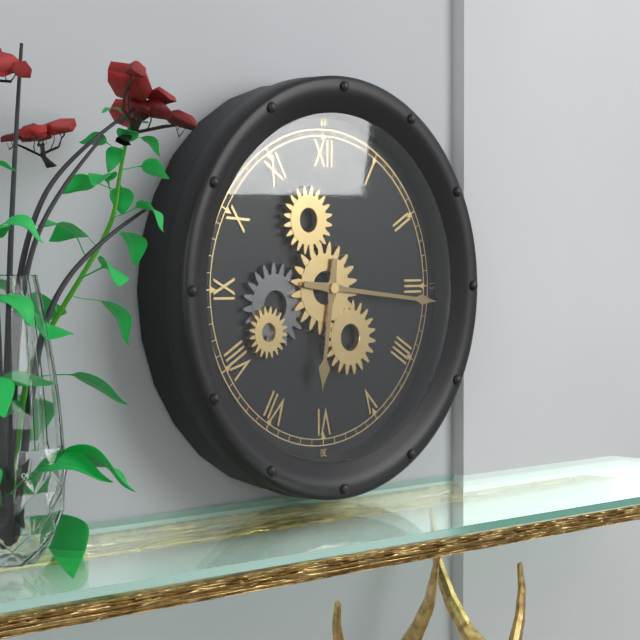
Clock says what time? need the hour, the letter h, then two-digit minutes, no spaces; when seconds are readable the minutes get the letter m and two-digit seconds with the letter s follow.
6h16
